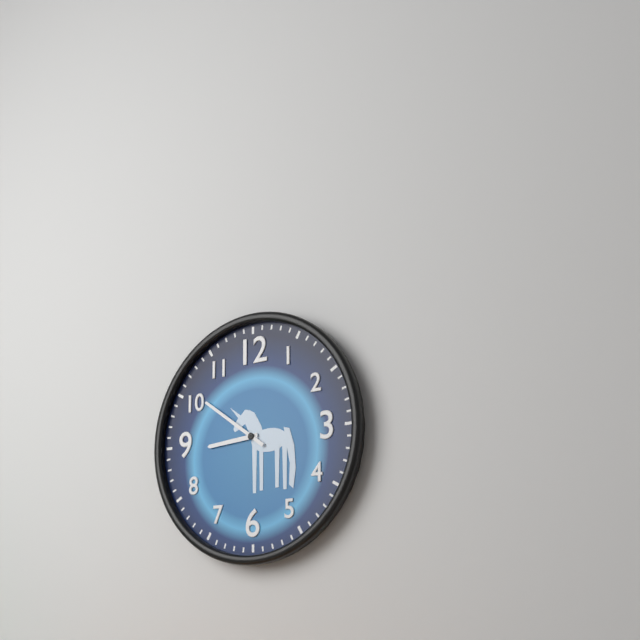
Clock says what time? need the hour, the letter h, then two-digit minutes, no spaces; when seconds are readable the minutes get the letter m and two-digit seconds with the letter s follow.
8h51
